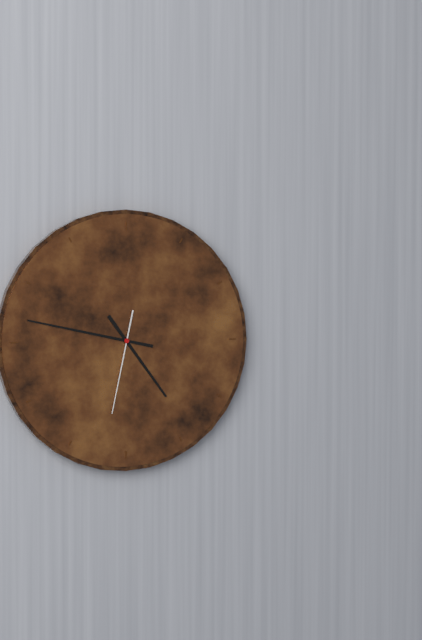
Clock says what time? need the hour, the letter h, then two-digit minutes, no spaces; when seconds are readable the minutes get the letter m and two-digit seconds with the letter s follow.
4h47m32s
